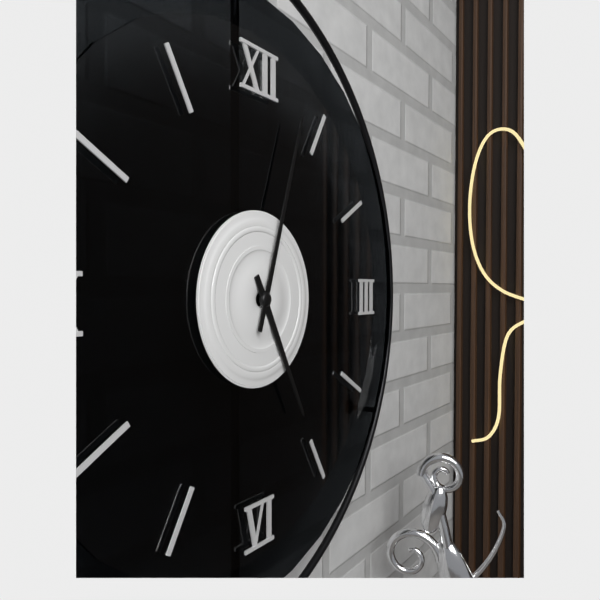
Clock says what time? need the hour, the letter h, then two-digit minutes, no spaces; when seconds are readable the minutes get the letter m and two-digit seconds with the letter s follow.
5h03
